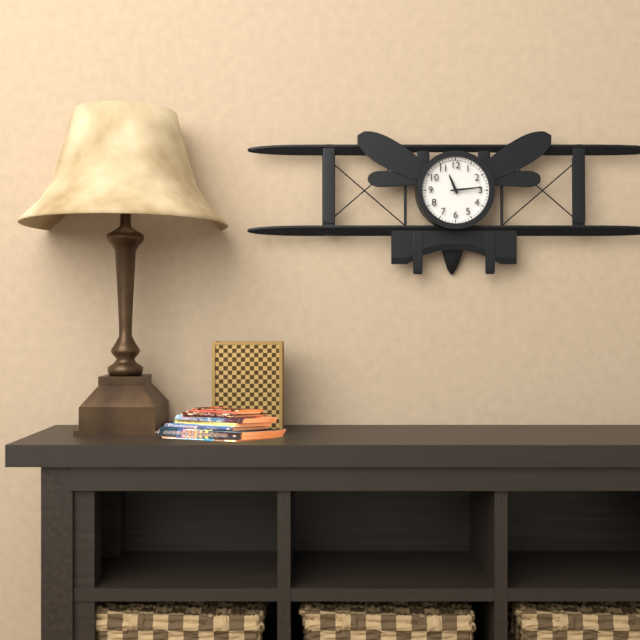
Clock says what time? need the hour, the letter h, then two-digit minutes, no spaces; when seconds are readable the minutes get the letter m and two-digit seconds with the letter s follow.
11h14
